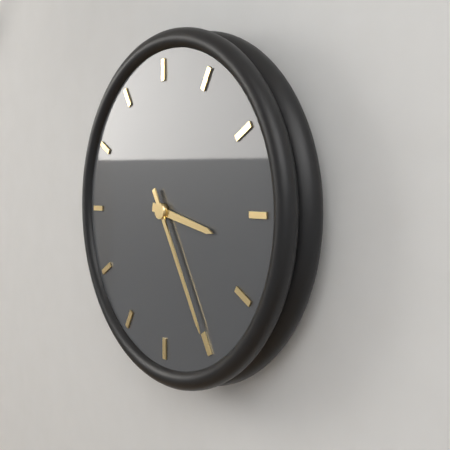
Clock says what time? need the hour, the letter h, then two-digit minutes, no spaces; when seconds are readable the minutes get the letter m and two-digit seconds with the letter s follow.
3h25
